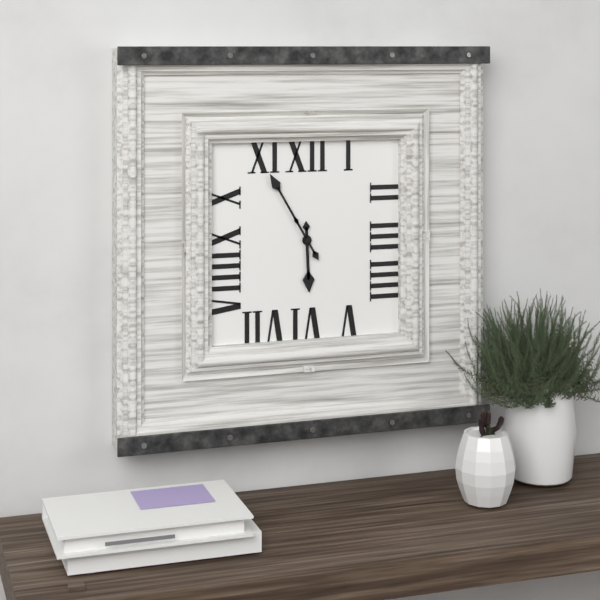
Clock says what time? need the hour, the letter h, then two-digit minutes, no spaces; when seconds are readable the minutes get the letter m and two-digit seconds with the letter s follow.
5h55
